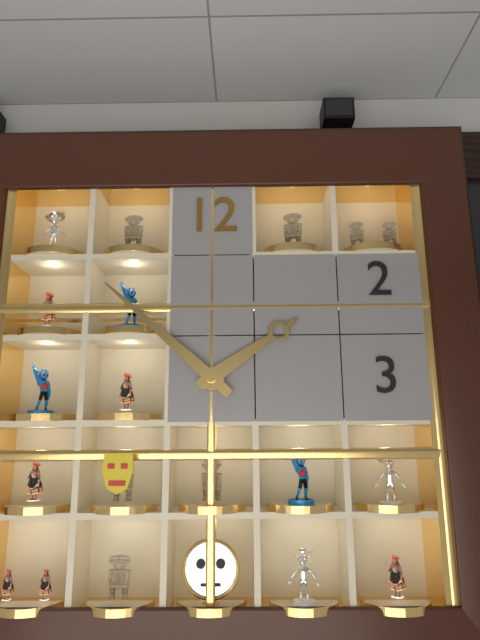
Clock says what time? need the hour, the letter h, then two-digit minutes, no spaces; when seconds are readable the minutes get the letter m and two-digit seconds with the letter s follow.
1h52
